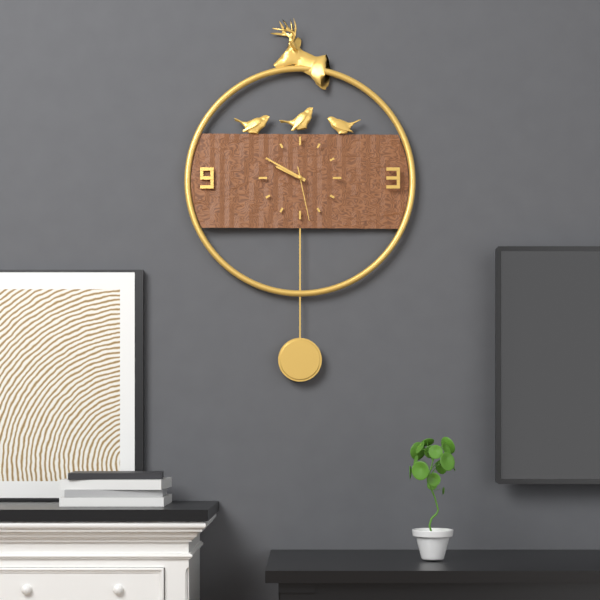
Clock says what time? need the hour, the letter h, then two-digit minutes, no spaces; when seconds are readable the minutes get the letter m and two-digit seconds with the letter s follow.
9h50m28s
